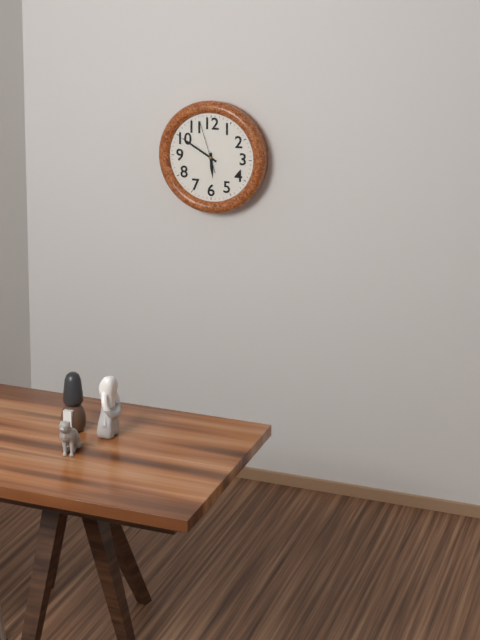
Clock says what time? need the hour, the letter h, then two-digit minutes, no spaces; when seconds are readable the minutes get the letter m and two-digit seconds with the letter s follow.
5h50
